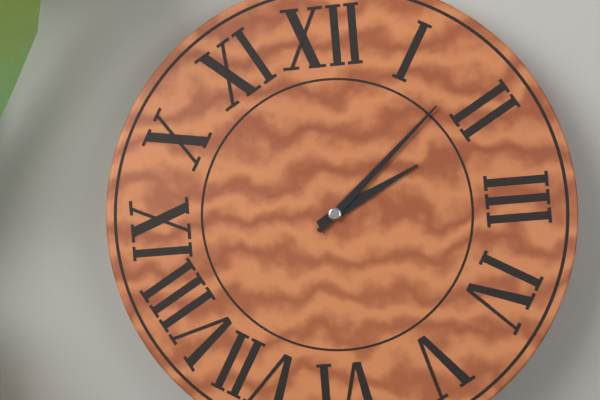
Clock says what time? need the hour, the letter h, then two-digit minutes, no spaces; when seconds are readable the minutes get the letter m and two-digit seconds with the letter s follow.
2h08
